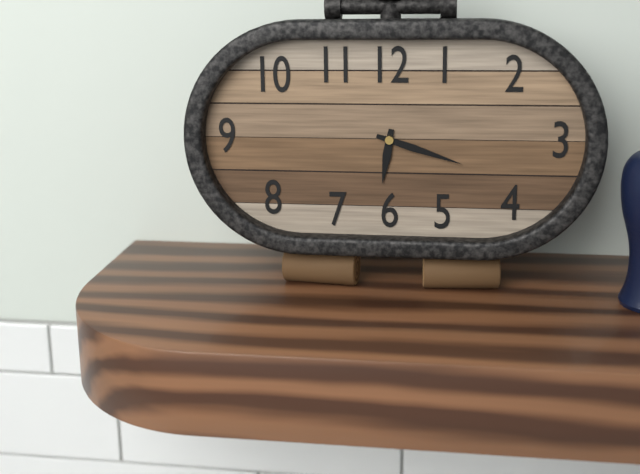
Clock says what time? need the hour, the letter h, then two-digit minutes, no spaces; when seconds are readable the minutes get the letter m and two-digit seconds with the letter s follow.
6h18
